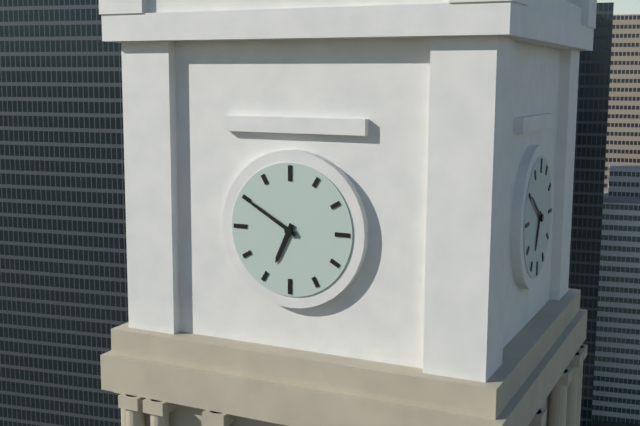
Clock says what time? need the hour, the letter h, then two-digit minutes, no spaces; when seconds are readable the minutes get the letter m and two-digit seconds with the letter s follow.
6h50
